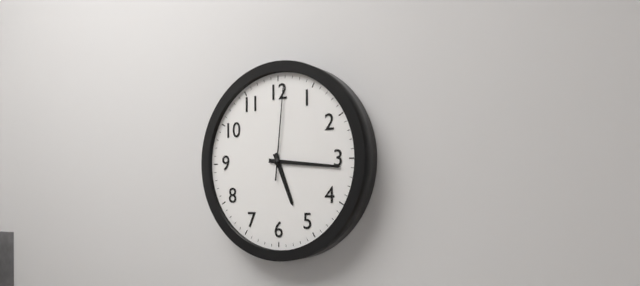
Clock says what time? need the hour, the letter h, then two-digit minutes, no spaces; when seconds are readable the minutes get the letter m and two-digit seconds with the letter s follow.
5h16m01s
